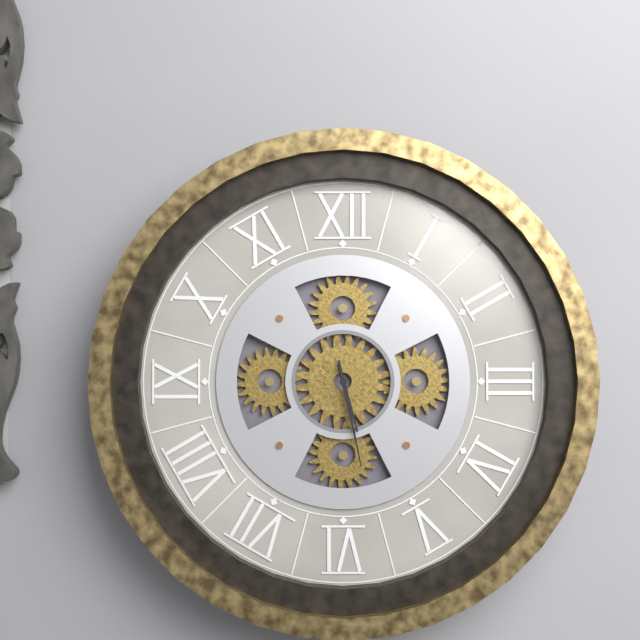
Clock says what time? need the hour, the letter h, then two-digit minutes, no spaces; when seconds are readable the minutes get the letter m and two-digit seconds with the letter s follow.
5h28
